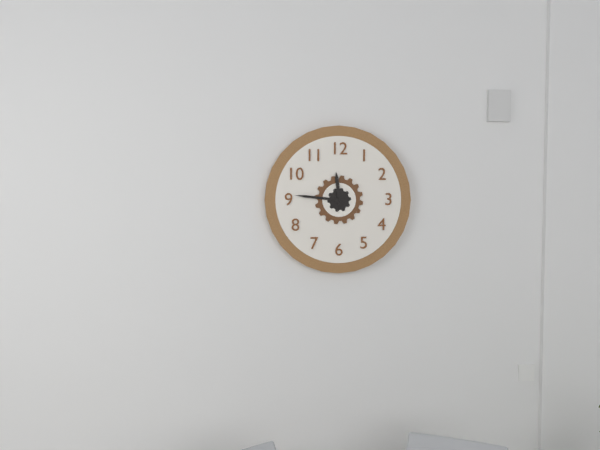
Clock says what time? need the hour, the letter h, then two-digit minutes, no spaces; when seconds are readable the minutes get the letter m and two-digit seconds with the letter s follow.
11h46
